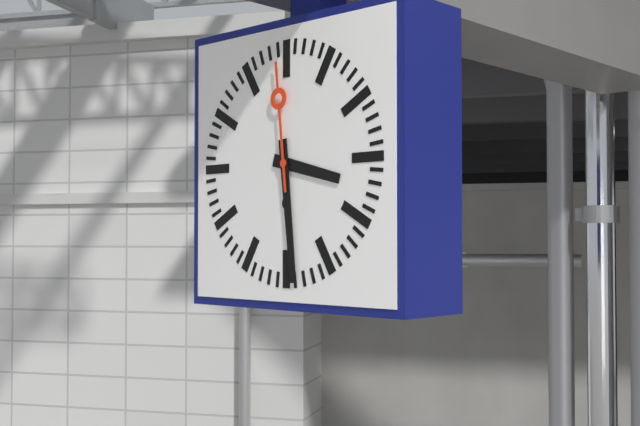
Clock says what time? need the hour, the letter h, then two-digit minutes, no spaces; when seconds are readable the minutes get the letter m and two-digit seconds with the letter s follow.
3h29m59s
